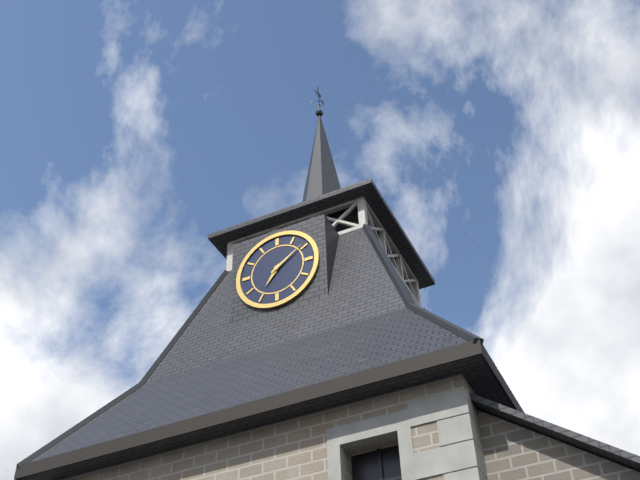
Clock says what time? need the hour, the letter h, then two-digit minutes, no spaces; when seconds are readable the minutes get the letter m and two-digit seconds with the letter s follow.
7h09
